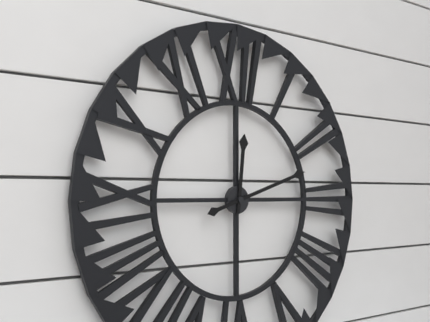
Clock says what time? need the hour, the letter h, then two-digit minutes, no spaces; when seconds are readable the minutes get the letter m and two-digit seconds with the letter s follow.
12h12
